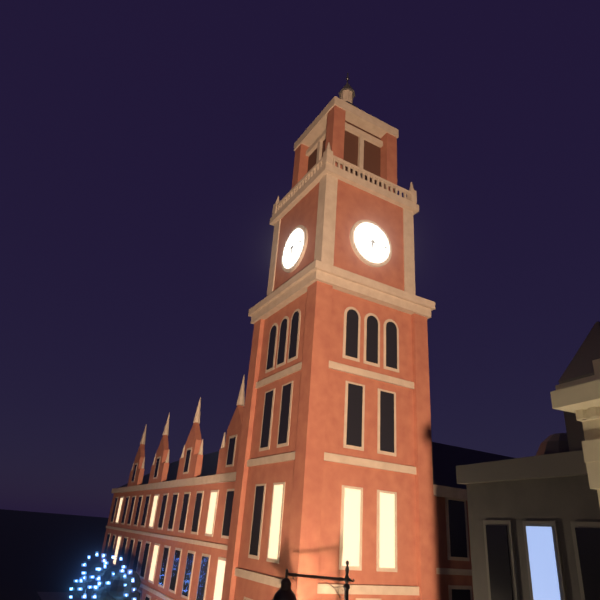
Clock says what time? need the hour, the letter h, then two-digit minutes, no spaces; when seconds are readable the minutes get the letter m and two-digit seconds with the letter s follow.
6h15
